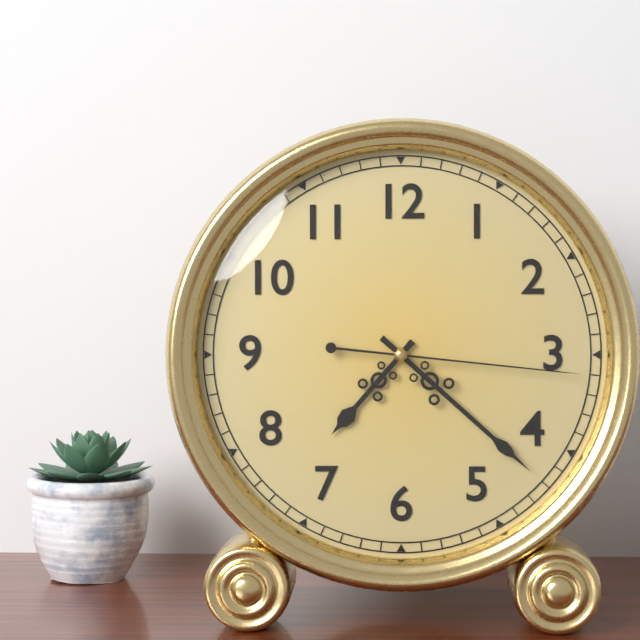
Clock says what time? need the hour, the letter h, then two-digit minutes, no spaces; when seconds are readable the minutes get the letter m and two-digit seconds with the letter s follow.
7h22m16s
